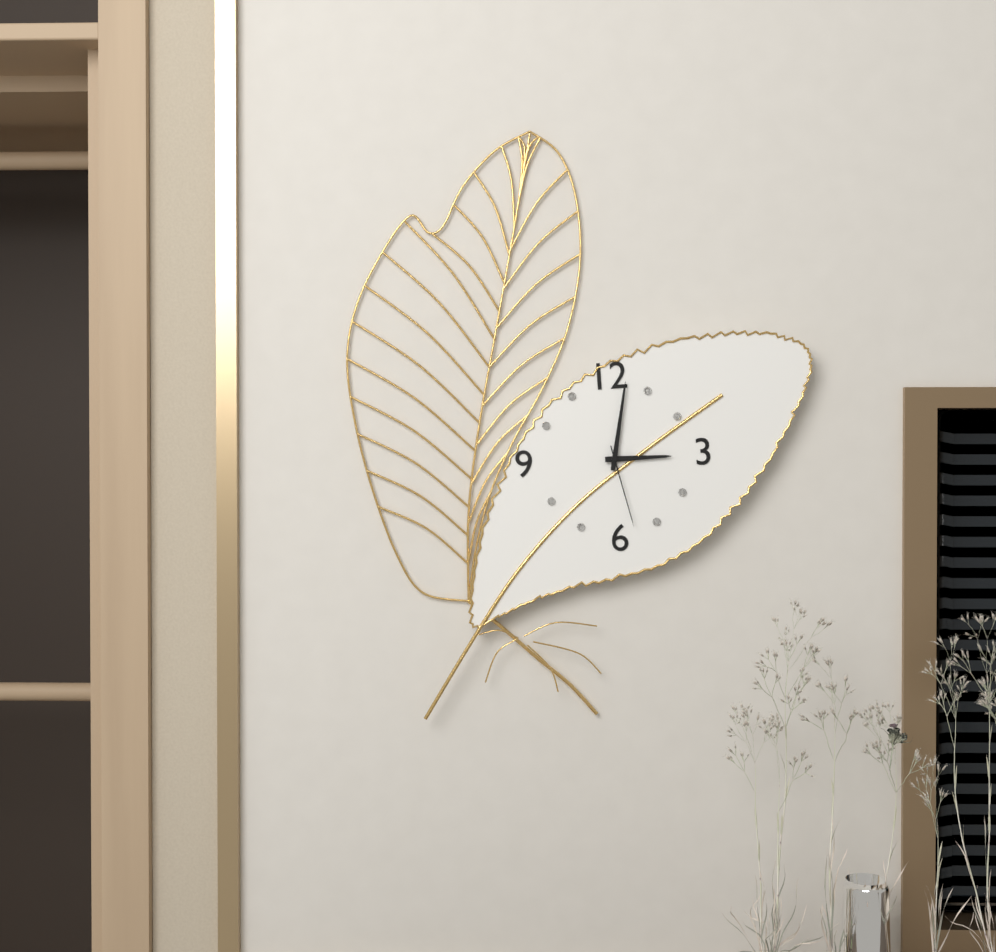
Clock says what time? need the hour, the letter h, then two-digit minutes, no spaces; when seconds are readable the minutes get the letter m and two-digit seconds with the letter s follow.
3h02m28s
